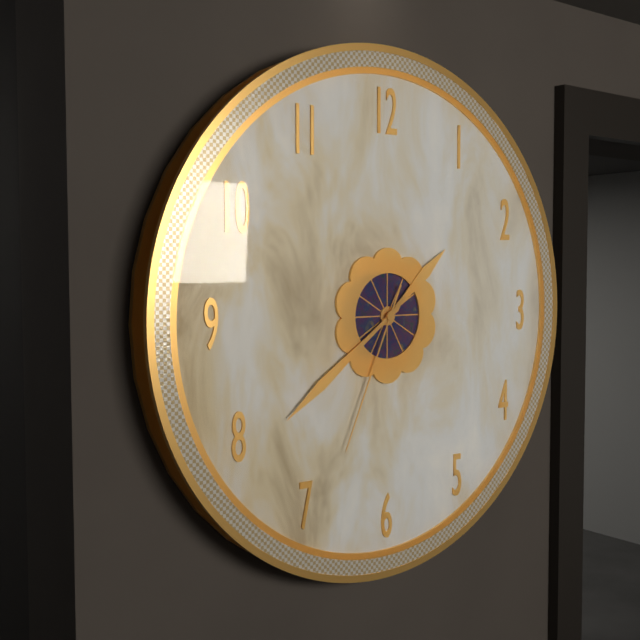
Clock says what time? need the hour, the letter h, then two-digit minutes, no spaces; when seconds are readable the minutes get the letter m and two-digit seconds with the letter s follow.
1h39m34s
